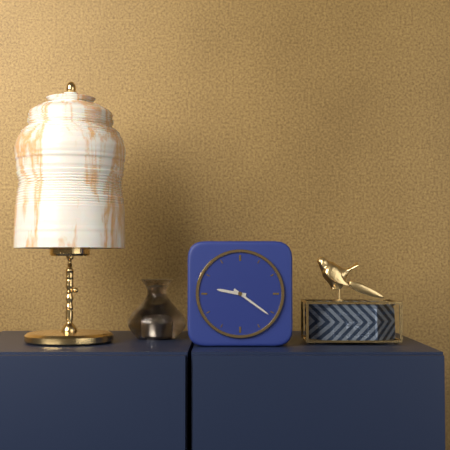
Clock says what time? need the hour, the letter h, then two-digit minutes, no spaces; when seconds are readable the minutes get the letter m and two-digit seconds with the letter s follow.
9h21
